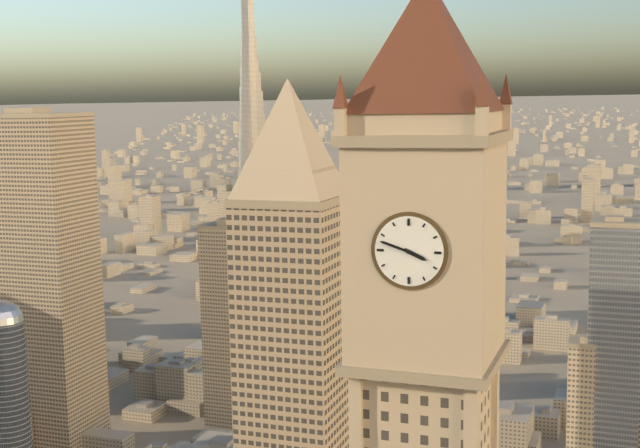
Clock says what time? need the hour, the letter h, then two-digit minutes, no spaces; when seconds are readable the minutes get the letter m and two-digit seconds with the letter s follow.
3h48
